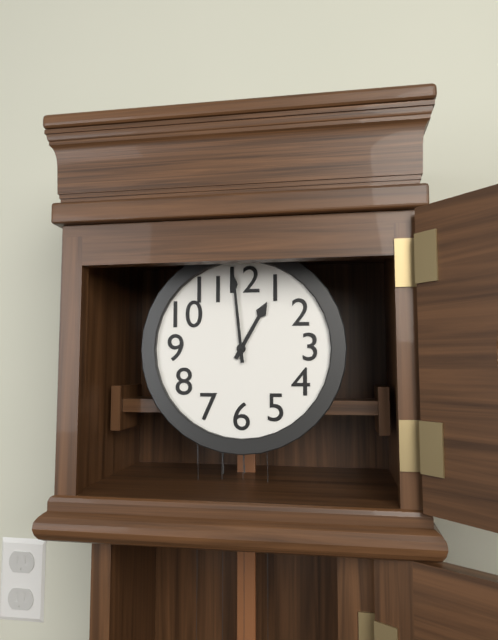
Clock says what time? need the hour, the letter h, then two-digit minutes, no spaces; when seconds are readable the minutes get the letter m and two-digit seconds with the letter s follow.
12h59
